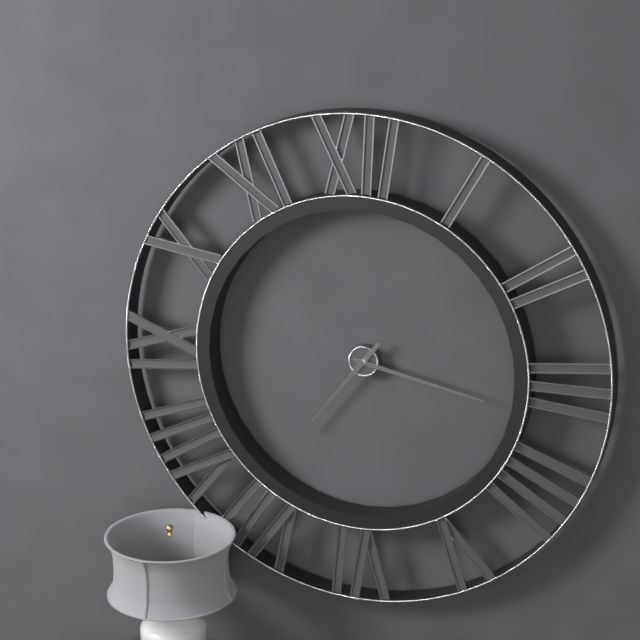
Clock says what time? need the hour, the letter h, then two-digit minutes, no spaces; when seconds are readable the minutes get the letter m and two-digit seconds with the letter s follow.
7h17
